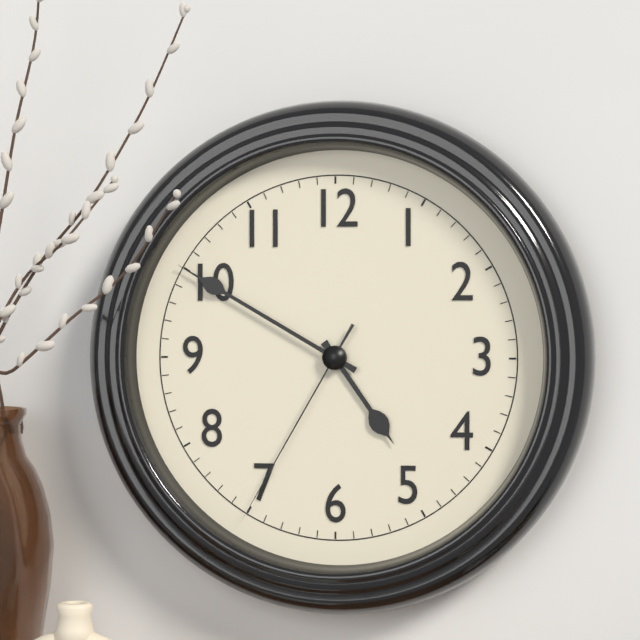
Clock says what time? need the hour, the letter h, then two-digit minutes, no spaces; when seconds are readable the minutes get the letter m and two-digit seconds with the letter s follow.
4h50m35s
